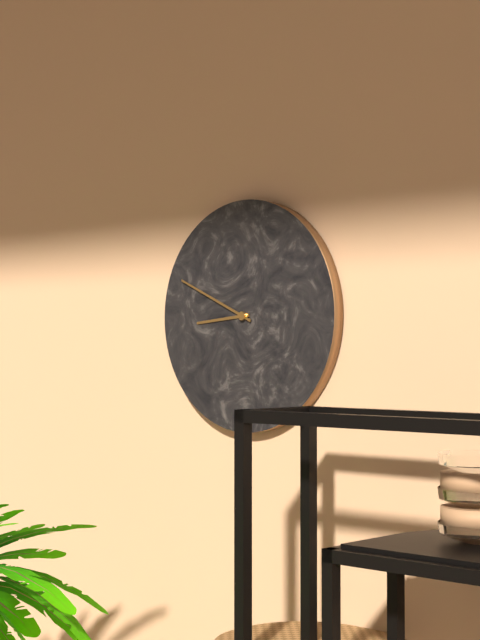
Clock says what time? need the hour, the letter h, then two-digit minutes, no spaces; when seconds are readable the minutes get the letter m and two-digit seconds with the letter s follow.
8h49
